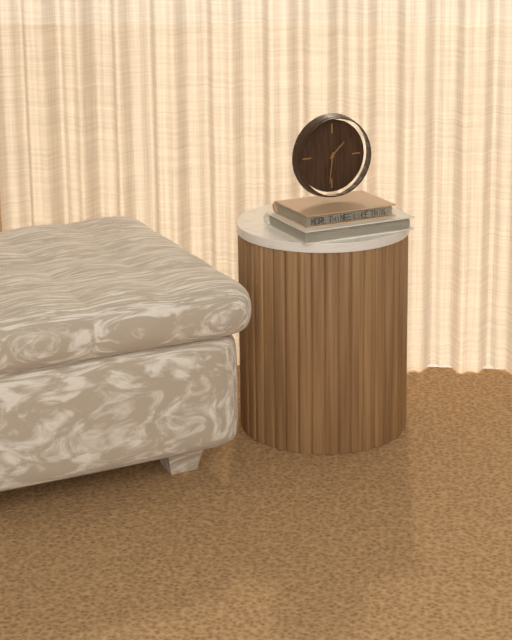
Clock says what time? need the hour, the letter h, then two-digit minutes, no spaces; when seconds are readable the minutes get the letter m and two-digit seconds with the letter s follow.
1h31
